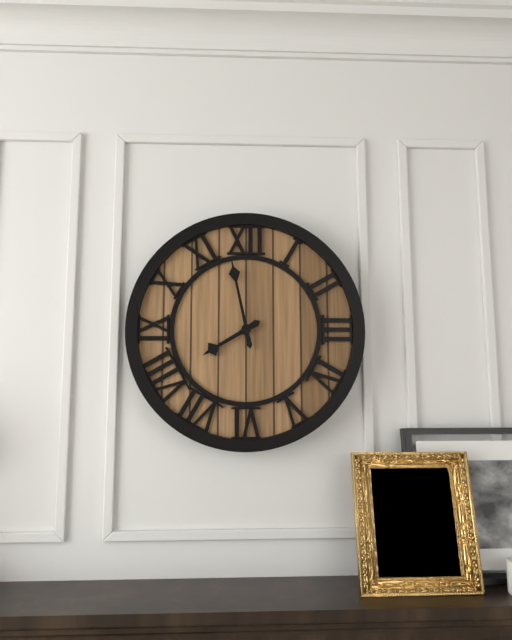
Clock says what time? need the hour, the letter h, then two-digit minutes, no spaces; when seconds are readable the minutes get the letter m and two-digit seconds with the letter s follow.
7h58
